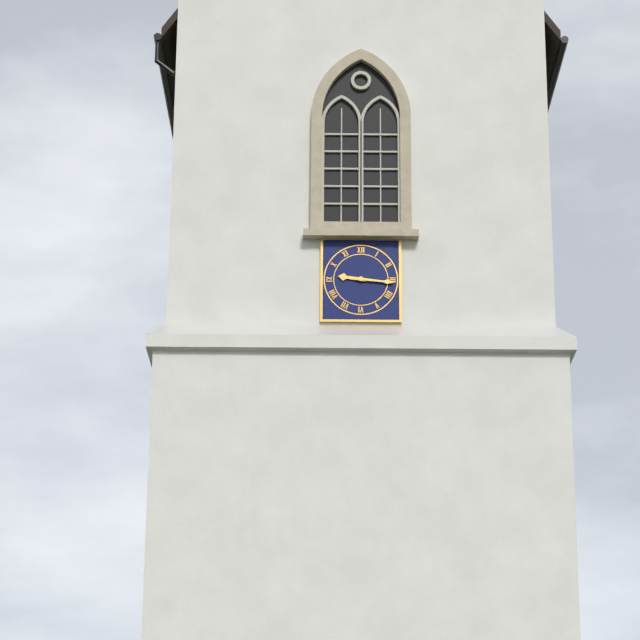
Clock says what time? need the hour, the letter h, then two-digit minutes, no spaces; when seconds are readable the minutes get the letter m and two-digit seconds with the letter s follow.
9h16
